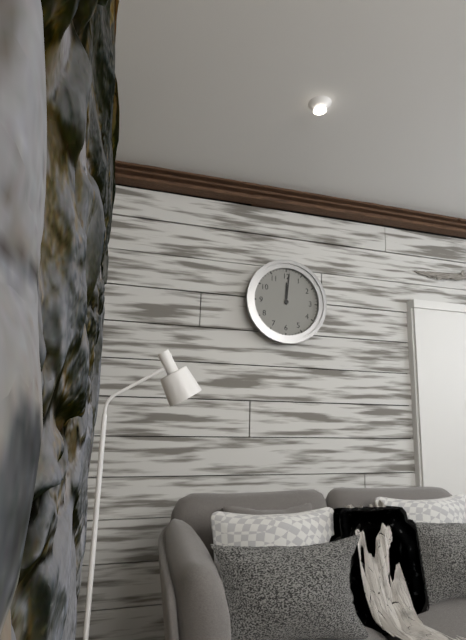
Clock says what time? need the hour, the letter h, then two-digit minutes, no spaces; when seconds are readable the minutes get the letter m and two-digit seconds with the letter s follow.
12h01
